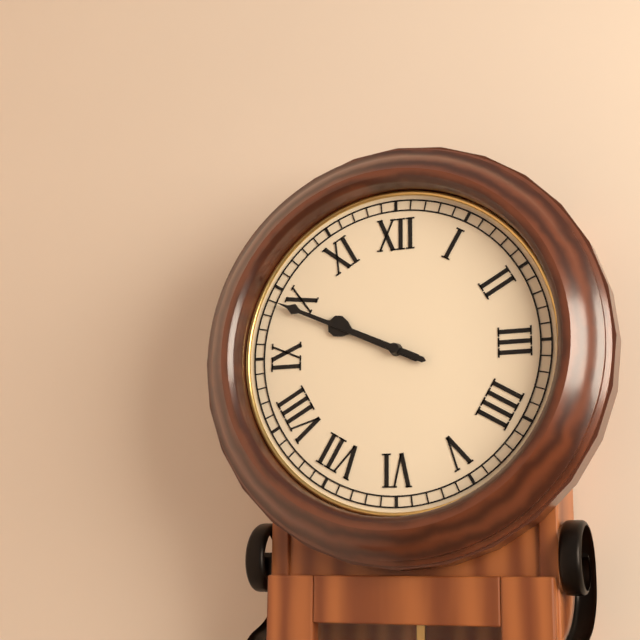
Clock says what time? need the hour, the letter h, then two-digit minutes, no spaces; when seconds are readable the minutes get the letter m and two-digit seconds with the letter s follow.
9h49
